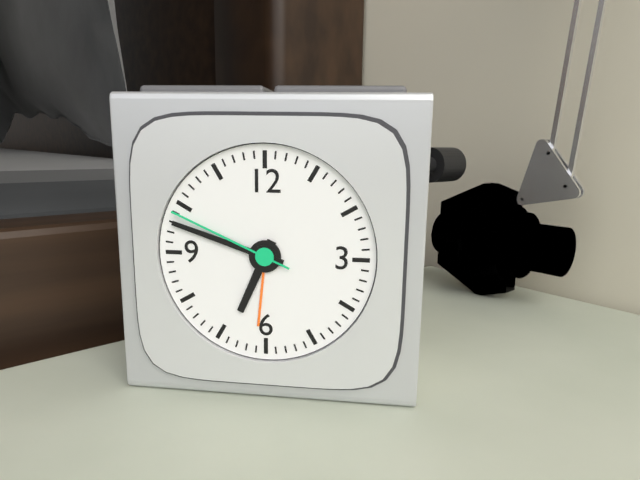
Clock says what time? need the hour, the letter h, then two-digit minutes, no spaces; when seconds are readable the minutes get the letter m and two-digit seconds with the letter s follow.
6h48m49s
